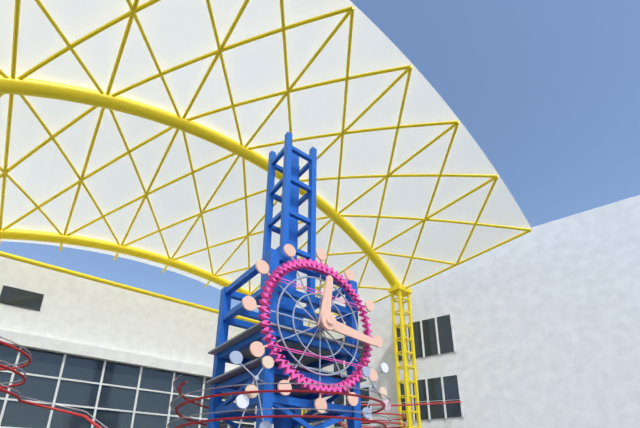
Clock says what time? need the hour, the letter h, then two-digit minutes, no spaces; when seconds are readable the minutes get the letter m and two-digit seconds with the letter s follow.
12h16
